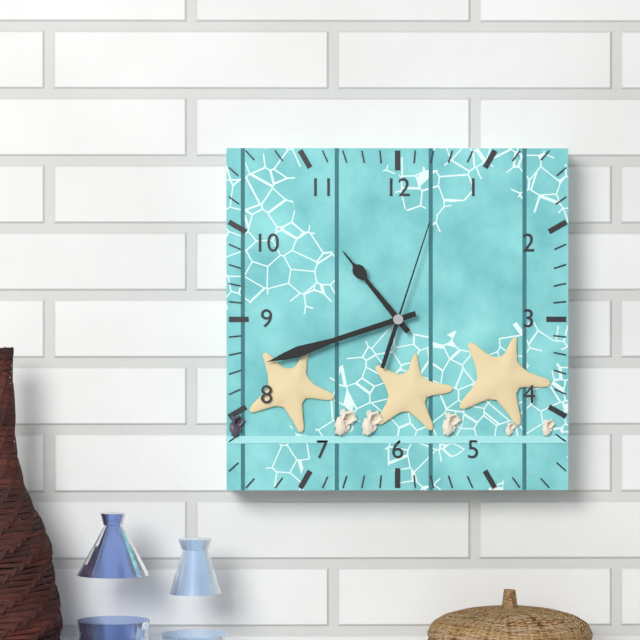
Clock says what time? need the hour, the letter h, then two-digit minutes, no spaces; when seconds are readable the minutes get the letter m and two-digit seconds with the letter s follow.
10h42m03s
